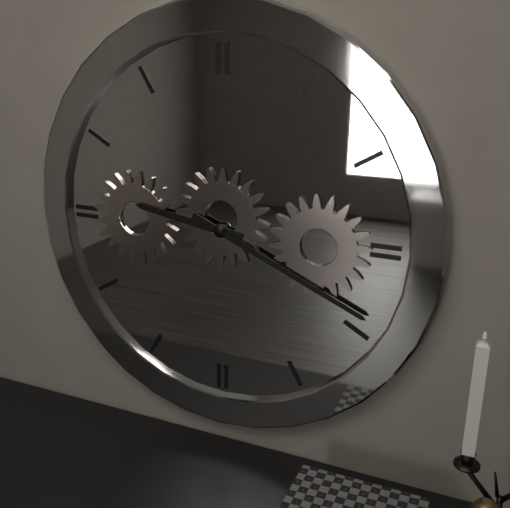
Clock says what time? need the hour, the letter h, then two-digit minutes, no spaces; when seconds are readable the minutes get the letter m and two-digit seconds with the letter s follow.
9h19
